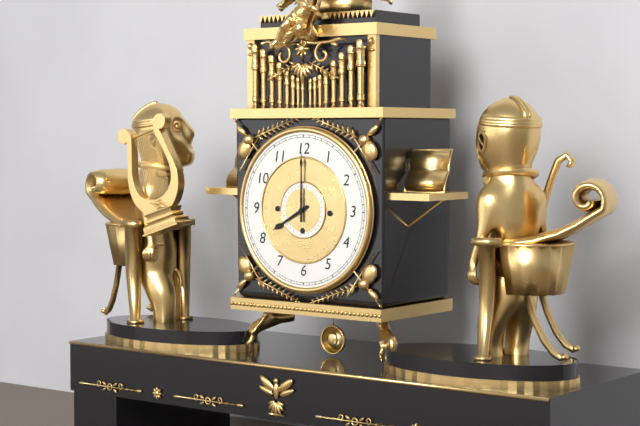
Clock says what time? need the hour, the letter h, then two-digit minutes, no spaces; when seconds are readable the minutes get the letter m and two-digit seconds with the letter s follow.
8h00
